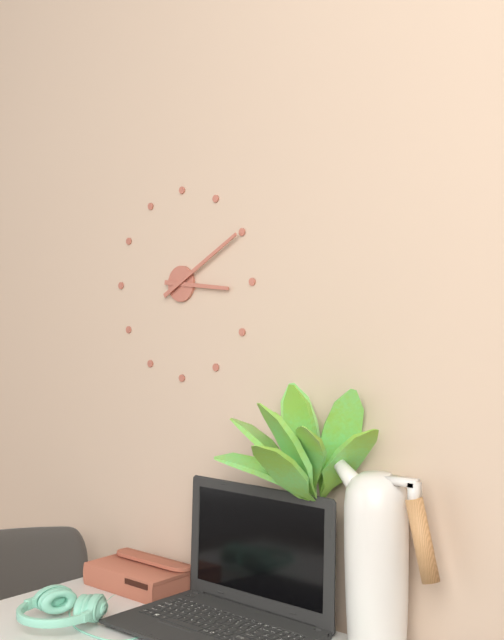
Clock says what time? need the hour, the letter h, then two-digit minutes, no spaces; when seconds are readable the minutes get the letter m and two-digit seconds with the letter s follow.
3h10
